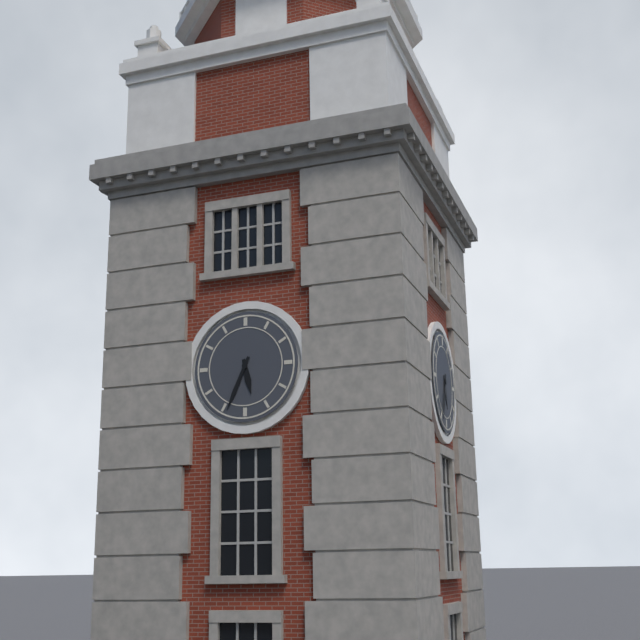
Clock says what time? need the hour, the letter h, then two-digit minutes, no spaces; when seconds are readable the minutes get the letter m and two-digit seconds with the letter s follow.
5h34
